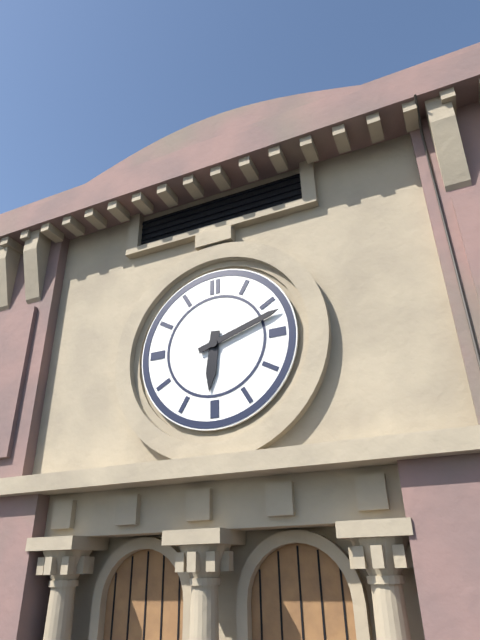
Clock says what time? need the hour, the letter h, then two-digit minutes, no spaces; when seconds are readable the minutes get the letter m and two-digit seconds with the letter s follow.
6h12
